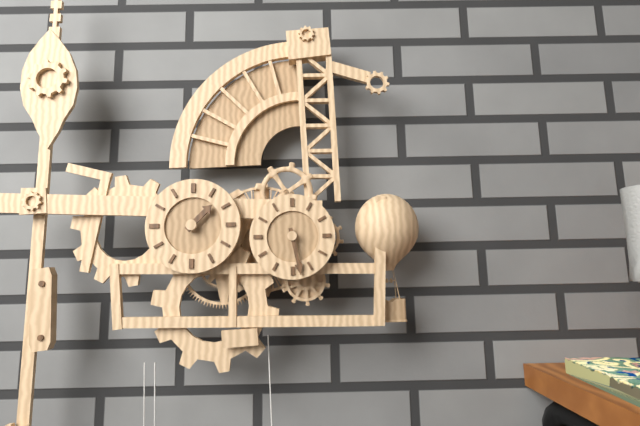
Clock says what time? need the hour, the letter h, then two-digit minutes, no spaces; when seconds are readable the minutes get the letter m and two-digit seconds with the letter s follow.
1h28
